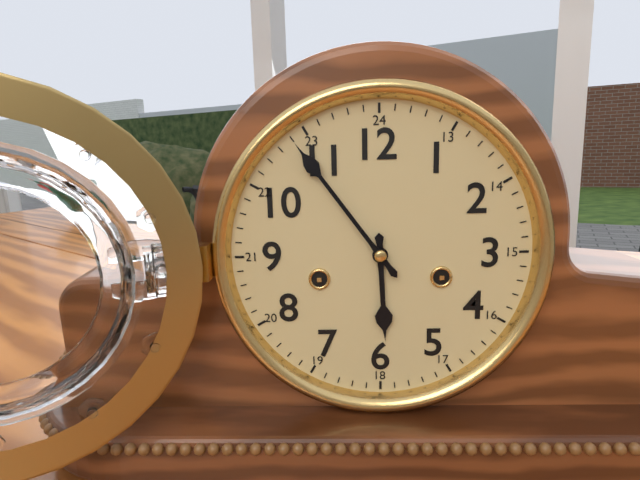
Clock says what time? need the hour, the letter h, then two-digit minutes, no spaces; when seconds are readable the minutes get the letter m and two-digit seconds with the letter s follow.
5h54
